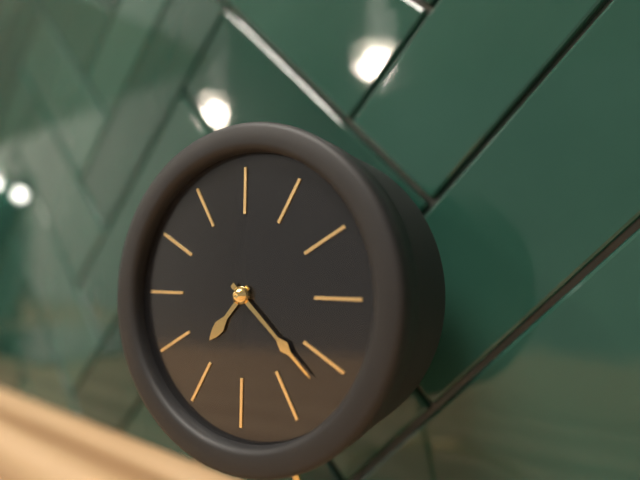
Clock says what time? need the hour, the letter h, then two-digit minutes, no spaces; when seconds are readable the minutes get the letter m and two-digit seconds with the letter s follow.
7h22
